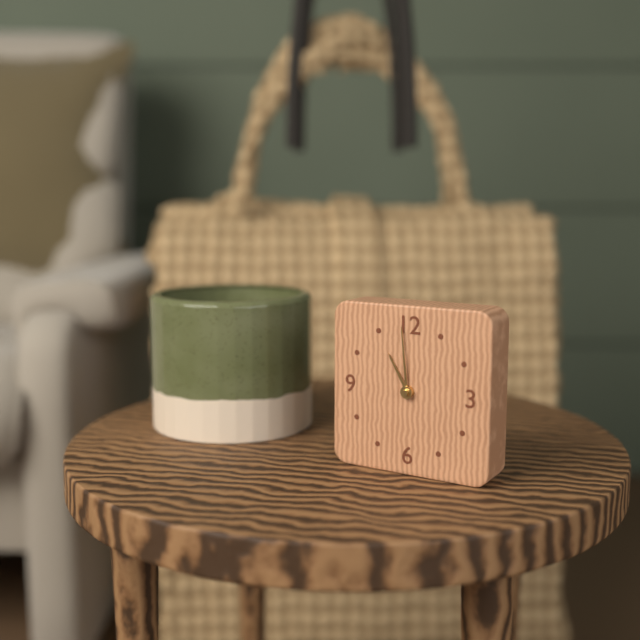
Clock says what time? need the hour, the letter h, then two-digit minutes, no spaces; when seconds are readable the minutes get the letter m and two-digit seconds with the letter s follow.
10h59
